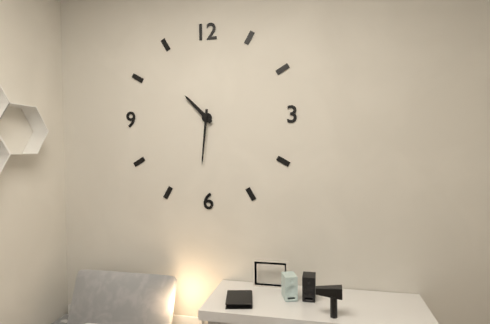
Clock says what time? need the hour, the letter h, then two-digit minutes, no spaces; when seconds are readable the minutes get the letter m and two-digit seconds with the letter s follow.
10h31
